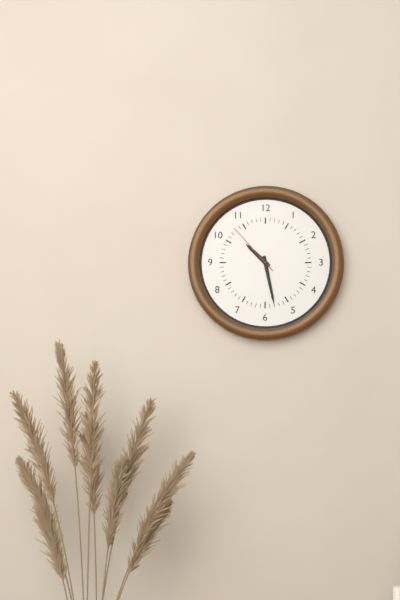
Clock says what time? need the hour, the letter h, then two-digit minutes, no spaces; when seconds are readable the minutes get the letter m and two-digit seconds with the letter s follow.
10h28m53s
